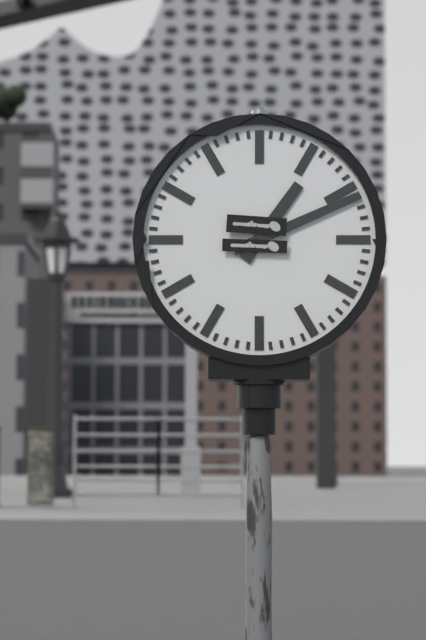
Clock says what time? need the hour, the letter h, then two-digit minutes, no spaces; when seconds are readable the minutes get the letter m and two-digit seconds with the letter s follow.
1h11
